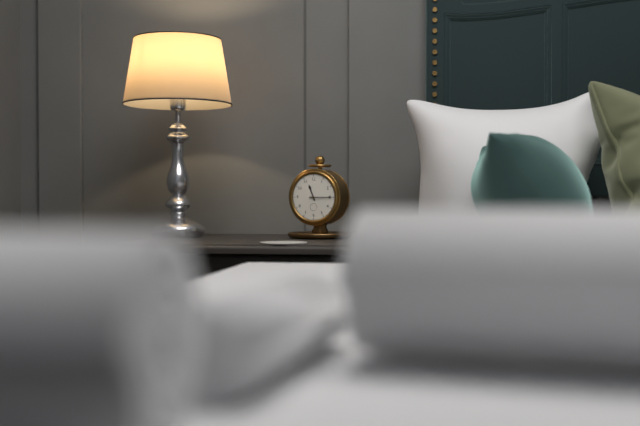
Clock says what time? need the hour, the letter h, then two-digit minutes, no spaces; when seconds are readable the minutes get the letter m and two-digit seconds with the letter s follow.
11h15
